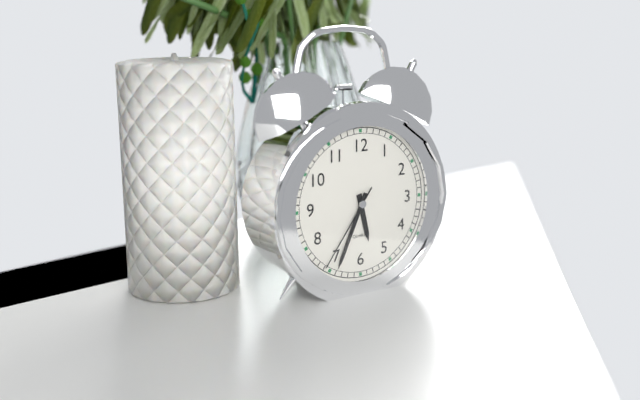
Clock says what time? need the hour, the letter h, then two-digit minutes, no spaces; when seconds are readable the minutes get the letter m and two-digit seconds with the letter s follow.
5h34m36s
